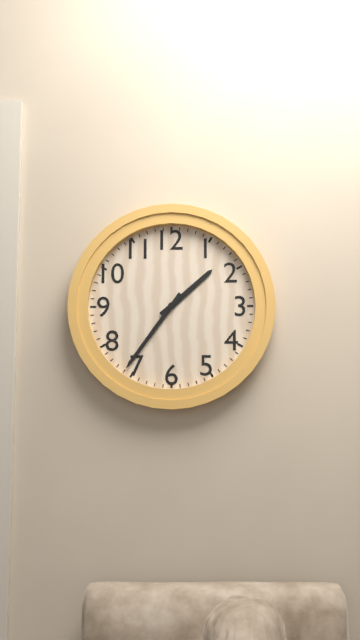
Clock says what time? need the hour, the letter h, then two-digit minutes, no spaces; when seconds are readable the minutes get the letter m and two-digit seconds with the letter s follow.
1h36
